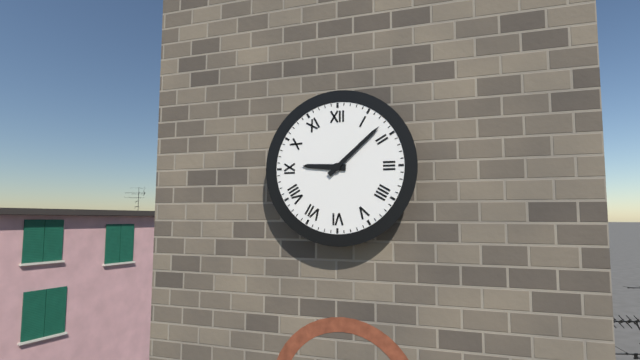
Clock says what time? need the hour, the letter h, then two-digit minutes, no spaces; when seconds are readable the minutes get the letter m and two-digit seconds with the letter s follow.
9h08
